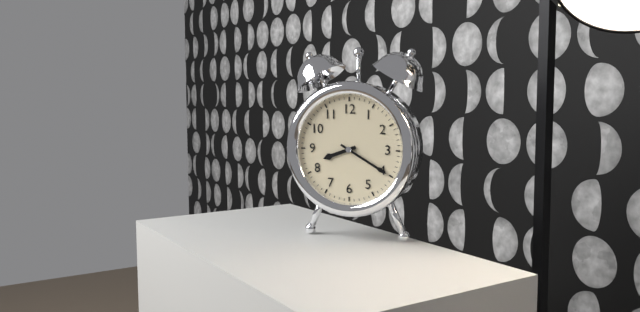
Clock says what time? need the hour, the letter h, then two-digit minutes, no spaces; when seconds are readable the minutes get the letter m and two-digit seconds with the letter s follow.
8h20
